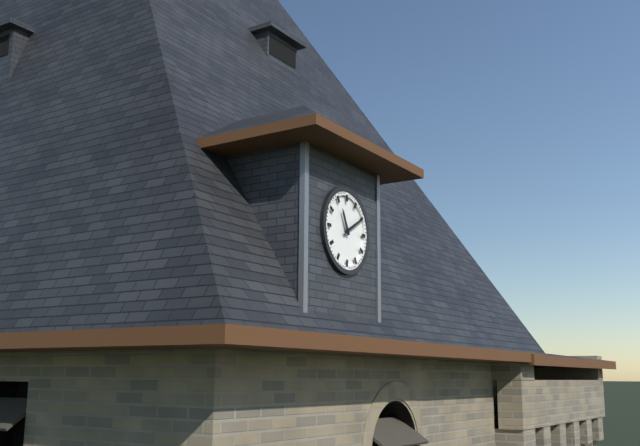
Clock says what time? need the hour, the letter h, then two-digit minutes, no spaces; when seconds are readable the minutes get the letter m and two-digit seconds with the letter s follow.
11h10
